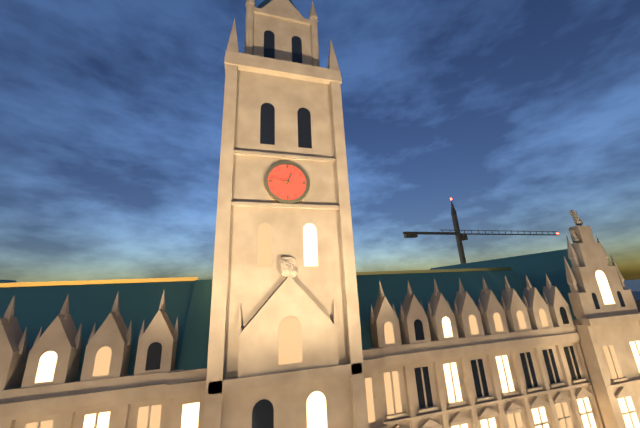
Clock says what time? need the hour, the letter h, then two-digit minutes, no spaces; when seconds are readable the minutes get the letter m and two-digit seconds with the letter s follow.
12h47
